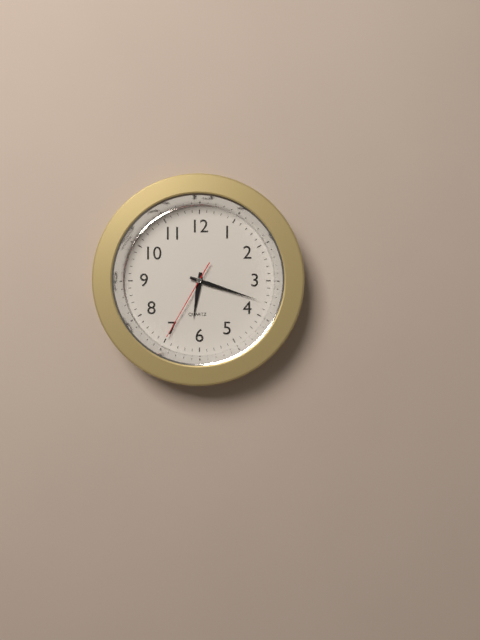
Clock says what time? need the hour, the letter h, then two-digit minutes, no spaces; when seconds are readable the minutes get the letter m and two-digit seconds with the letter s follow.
6h18m35s
